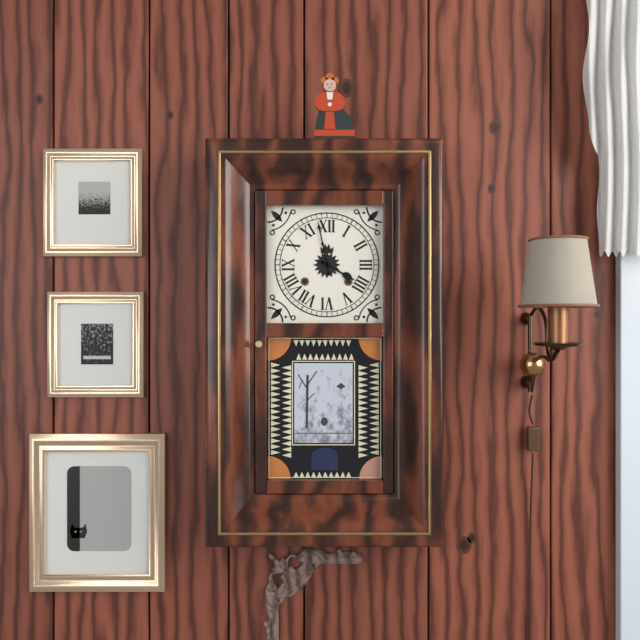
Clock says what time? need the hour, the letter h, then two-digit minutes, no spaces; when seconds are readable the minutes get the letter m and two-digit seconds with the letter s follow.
3h58
